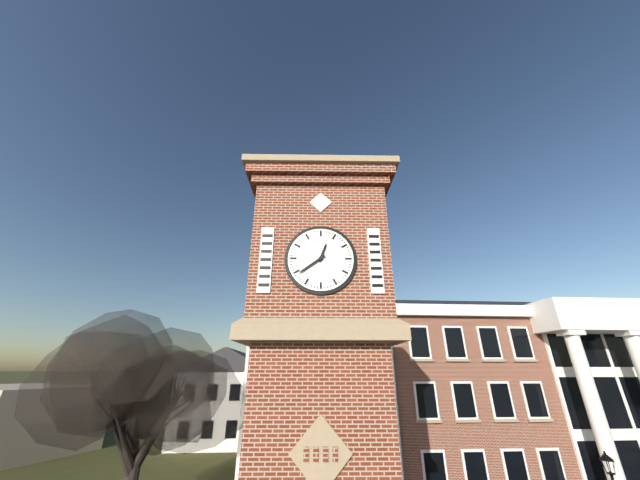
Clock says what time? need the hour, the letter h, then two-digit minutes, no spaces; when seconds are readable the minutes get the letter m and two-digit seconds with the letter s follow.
12h39
